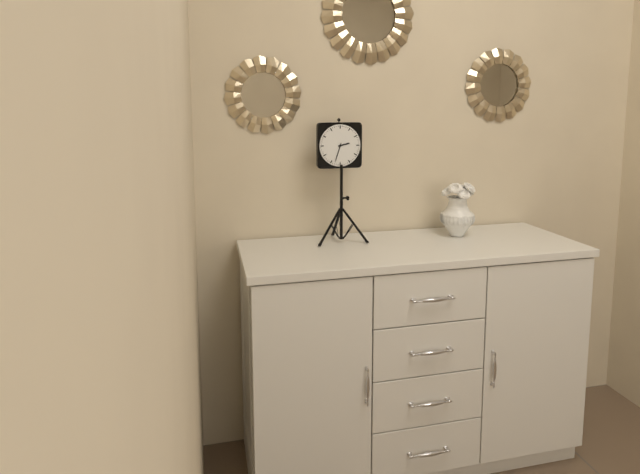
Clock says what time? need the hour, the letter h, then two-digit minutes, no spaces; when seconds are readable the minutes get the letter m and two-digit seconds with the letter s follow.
2h33
